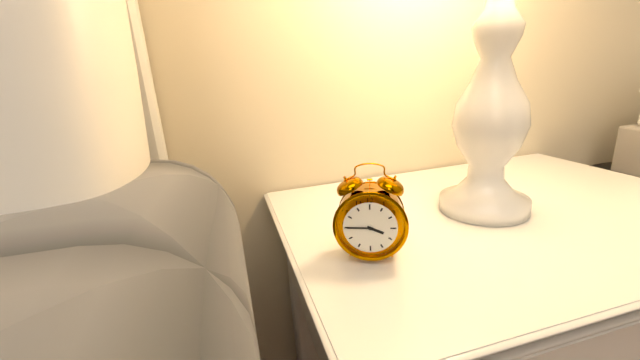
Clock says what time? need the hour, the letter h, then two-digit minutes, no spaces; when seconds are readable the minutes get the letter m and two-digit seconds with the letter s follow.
3h45
